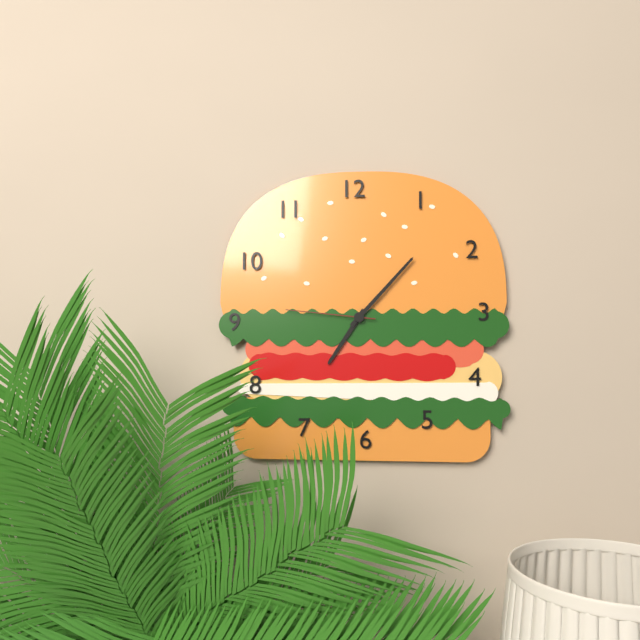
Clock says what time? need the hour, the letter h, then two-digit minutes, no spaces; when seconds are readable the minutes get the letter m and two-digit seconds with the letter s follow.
7h07m46s
